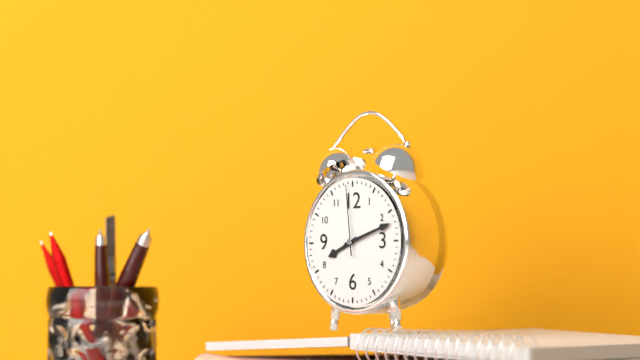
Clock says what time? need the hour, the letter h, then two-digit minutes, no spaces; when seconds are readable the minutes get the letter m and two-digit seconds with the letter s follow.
8h12m59s
